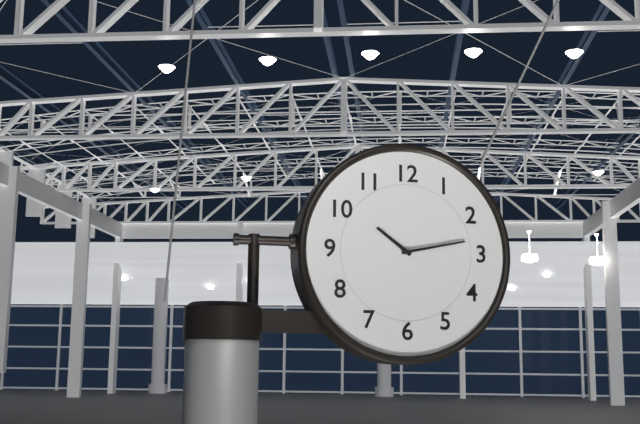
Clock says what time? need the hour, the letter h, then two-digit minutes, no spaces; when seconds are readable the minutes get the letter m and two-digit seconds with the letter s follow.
10h13
